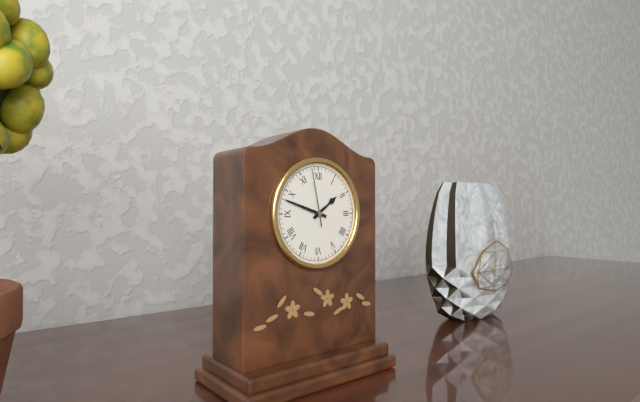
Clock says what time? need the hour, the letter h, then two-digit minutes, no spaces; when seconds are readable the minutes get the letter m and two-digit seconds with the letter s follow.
1h48m58s
